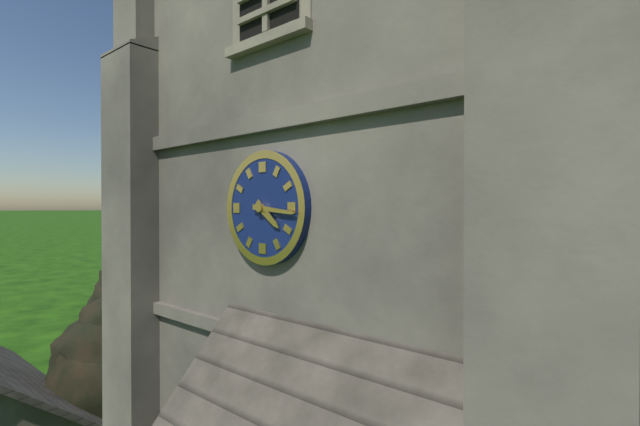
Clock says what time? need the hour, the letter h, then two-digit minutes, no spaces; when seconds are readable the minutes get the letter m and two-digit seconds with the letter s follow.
4h16
